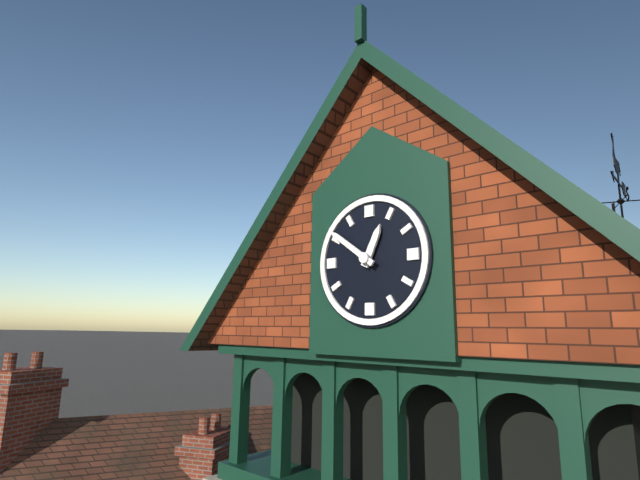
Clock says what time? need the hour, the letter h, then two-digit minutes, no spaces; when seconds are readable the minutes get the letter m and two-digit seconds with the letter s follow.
12h51
